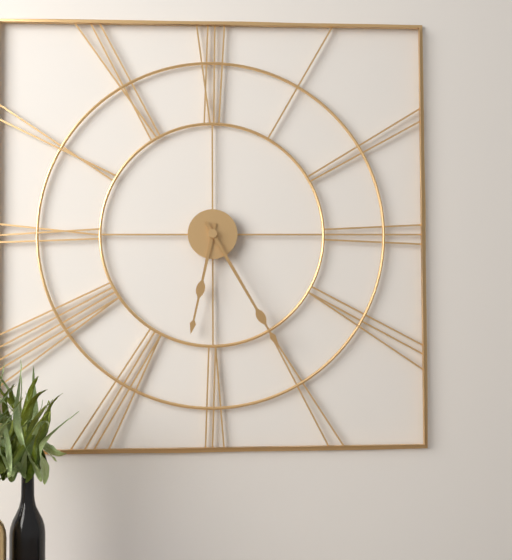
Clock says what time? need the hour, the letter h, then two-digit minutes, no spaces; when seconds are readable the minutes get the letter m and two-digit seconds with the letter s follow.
6h25
